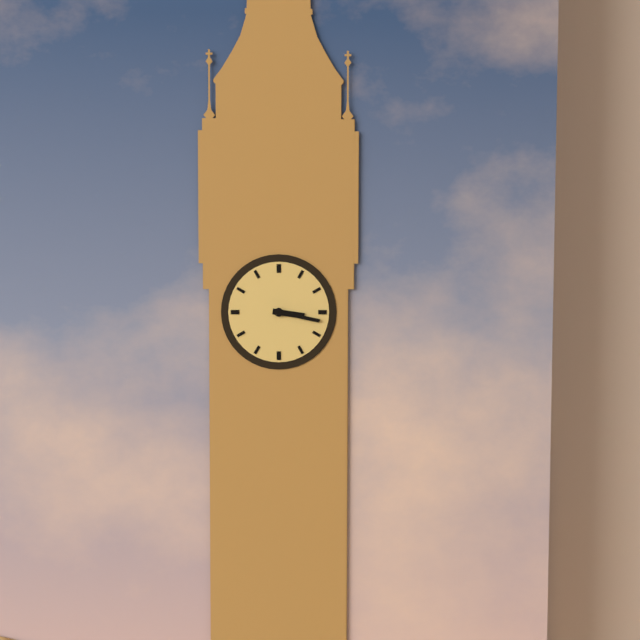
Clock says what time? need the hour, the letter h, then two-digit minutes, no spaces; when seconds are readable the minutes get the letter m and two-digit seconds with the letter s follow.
3h17
